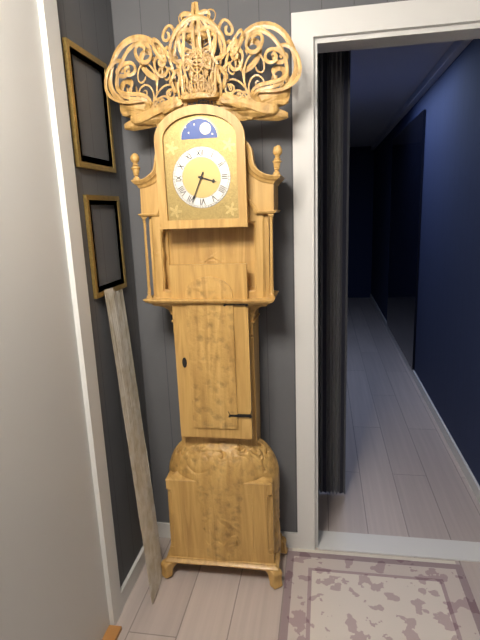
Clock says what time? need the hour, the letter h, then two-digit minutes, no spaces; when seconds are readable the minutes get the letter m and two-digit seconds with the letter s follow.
3h34
